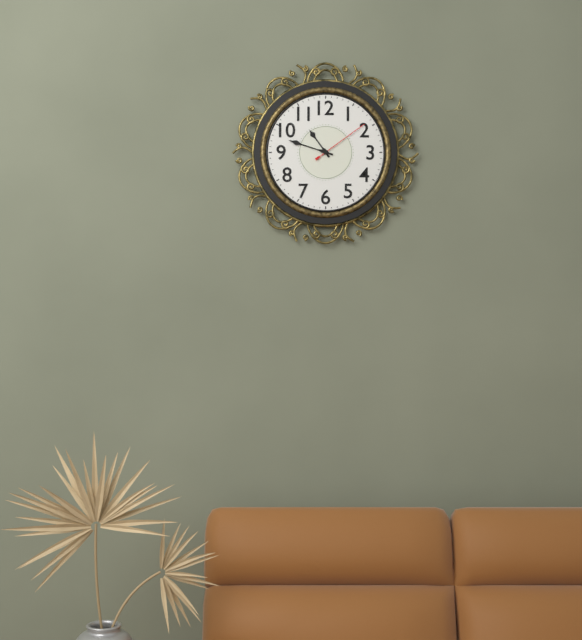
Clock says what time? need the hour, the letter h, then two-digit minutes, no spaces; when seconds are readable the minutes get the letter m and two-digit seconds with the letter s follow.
10h48m09s
